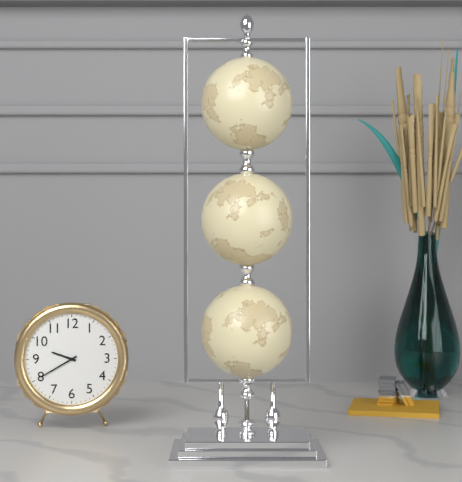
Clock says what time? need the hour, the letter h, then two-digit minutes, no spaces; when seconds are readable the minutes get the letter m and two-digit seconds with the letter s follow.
9h40
